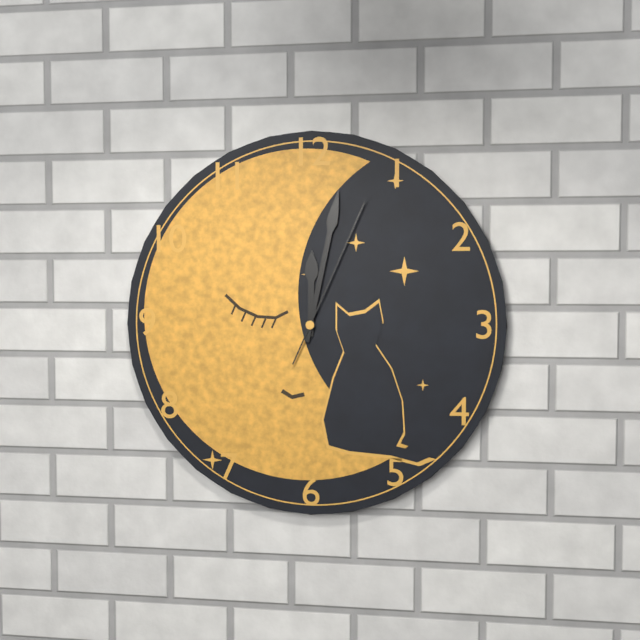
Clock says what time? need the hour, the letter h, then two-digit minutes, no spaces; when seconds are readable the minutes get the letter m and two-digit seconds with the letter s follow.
12h02m04s
